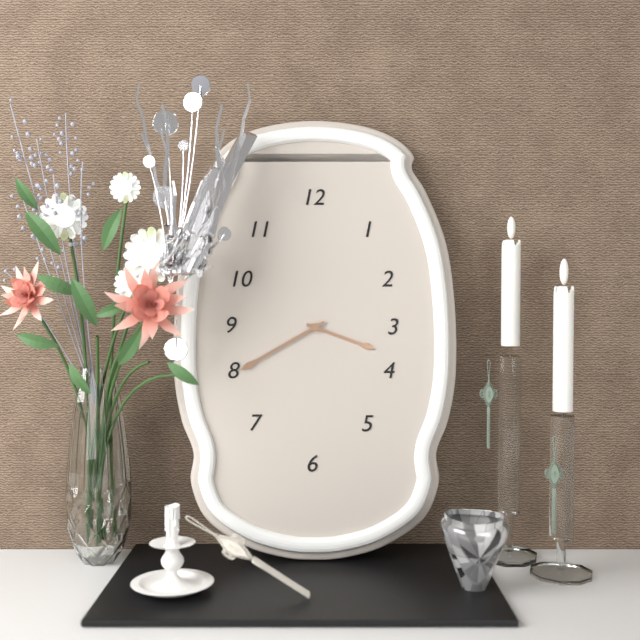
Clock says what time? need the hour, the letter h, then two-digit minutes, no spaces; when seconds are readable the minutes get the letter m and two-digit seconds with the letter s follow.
3h40
